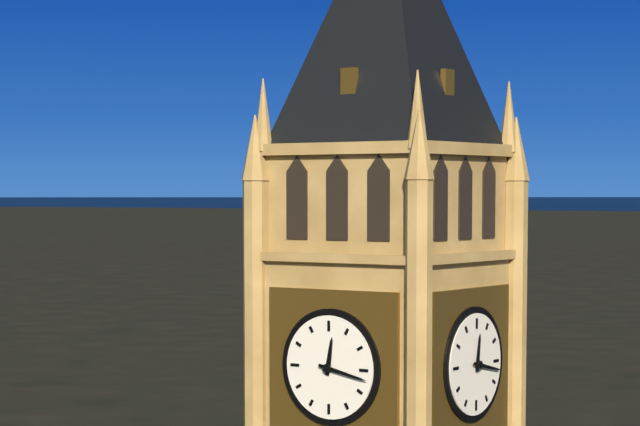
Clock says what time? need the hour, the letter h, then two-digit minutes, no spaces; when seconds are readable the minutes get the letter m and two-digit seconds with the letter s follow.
12h17
